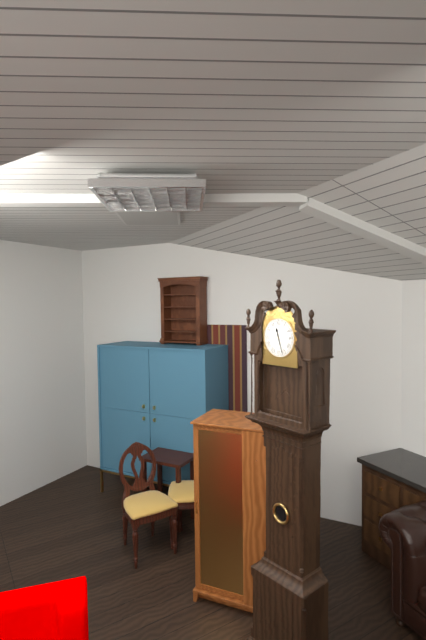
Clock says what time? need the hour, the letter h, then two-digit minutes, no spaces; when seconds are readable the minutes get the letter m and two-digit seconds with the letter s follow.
11h27
